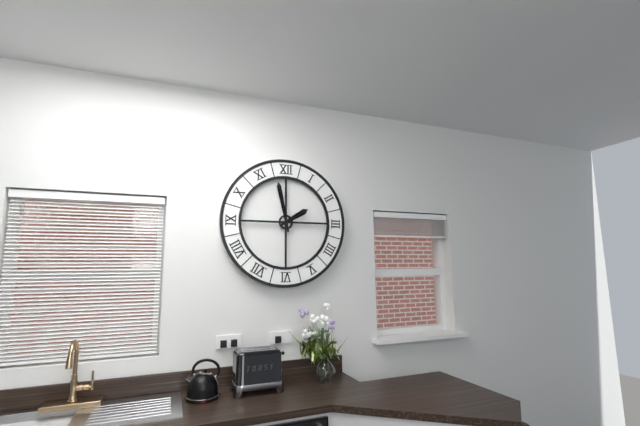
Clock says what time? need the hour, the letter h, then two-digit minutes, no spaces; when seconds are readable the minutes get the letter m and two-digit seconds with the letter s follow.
1h58
